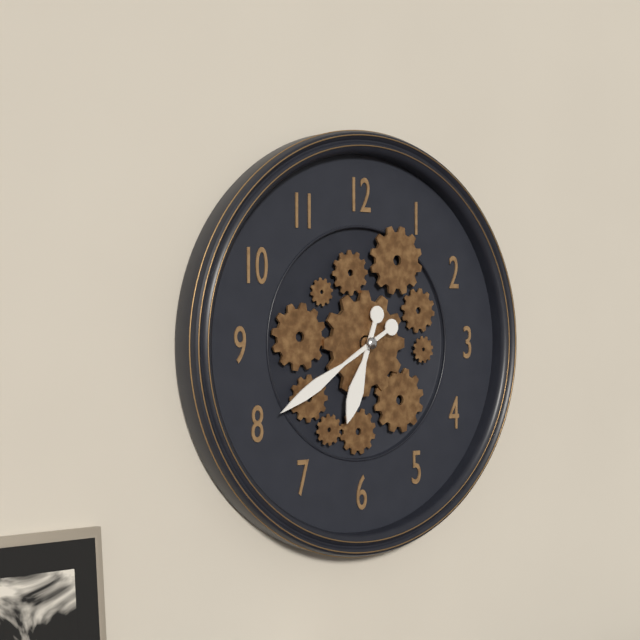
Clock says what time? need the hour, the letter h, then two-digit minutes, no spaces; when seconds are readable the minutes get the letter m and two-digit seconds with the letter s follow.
6h40
